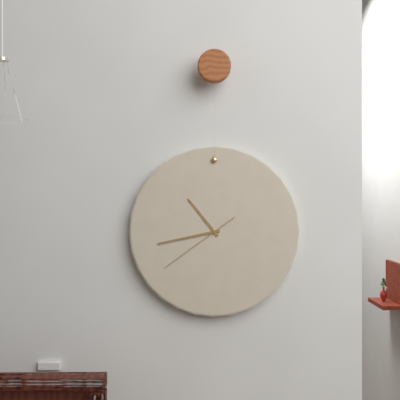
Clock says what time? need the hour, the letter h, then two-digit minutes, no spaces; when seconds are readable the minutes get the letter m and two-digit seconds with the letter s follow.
10h43m39s
